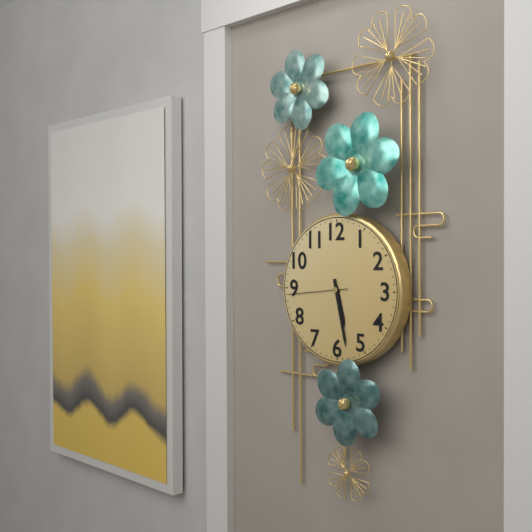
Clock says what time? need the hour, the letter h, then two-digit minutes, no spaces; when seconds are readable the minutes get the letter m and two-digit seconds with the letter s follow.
5h28m44s
